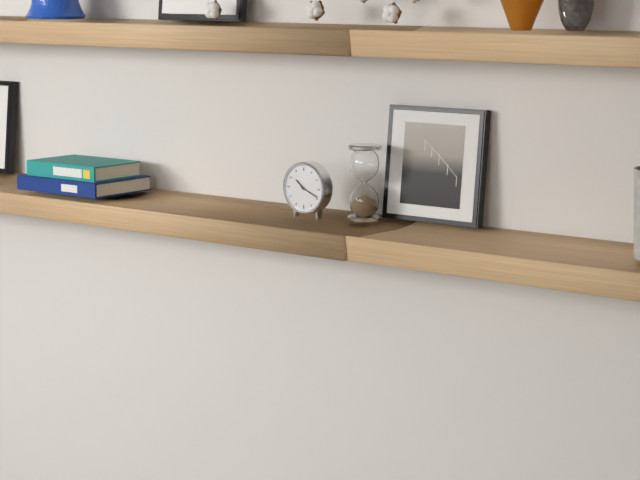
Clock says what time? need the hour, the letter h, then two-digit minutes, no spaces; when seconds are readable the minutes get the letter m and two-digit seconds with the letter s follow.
10h19
